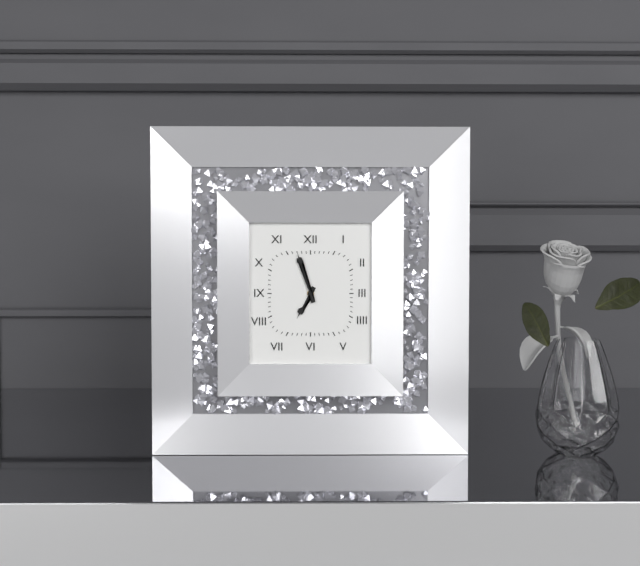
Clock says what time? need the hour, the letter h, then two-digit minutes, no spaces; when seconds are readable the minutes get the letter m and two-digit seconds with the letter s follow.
6h57
